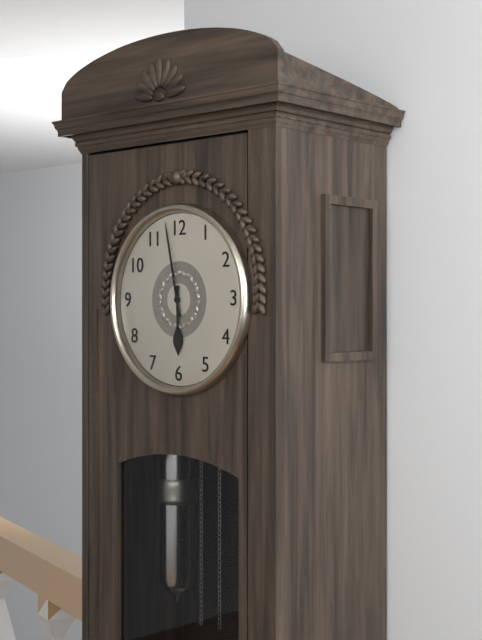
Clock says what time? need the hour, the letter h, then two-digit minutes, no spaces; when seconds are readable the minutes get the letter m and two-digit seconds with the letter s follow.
5h58
